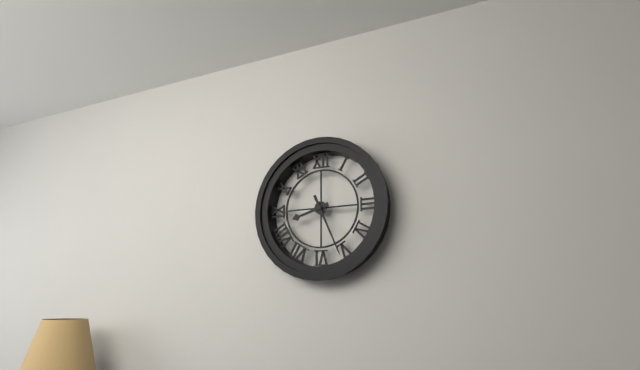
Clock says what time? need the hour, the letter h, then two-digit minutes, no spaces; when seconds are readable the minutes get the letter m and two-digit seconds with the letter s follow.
8h26
